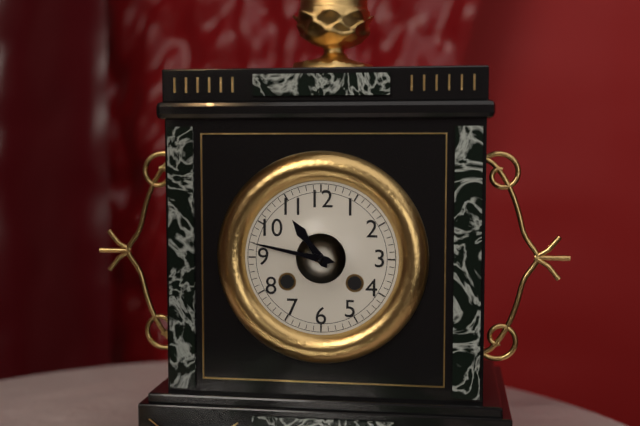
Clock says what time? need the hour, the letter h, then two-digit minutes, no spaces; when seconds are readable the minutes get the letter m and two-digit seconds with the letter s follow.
10h47
